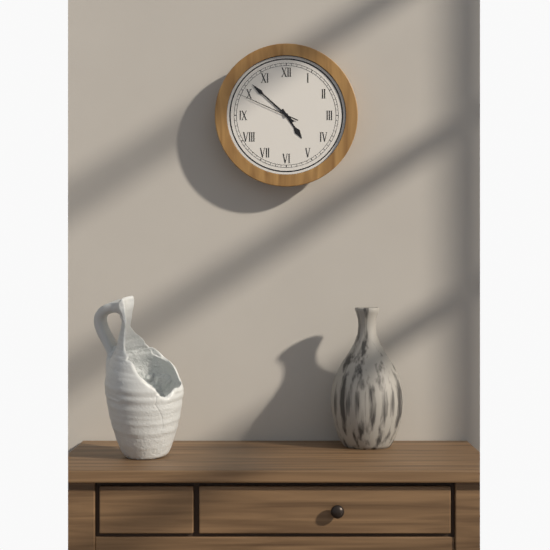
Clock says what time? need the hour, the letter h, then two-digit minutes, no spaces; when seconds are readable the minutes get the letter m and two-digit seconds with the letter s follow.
4h52m49s
